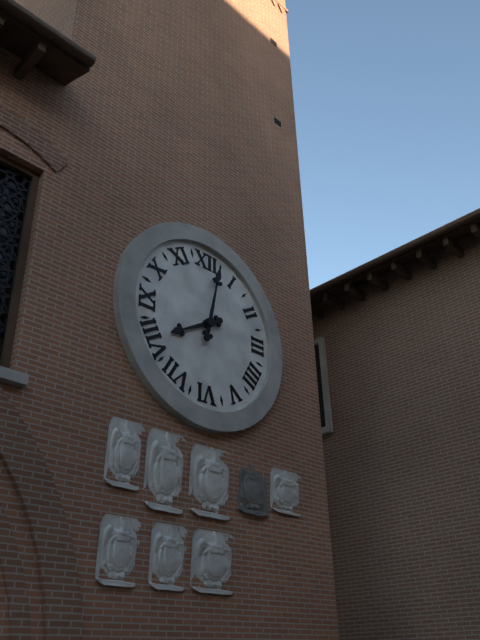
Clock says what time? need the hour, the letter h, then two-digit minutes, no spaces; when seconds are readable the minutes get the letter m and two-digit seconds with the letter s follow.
8h02
